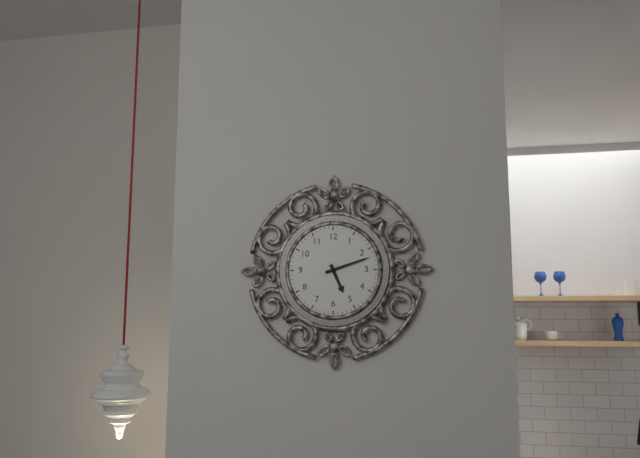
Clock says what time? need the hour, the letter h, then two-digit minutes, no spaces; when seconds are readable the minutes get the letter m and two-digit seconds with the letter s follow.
5h12
